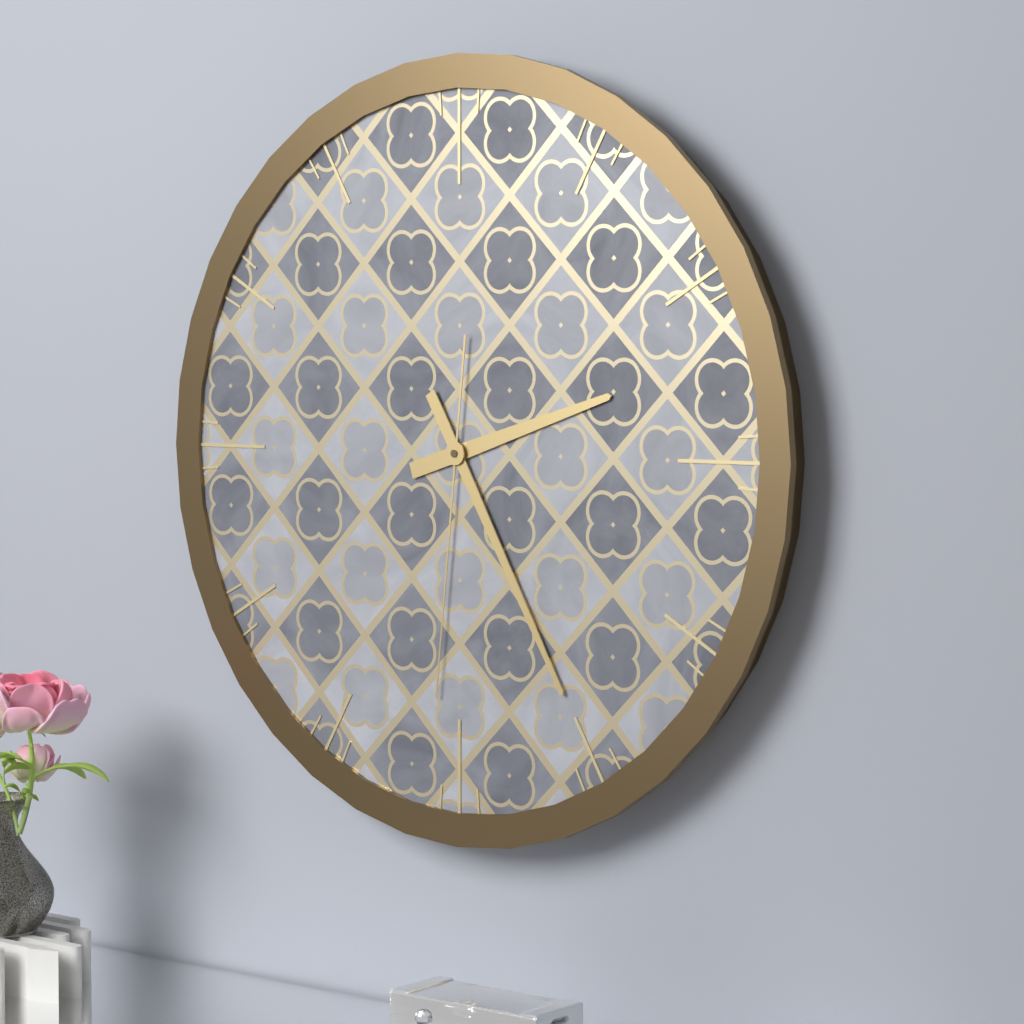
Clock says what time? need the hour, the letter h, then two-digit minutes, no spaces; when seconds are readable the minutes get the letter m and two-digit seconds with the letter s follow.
2h25m31s
